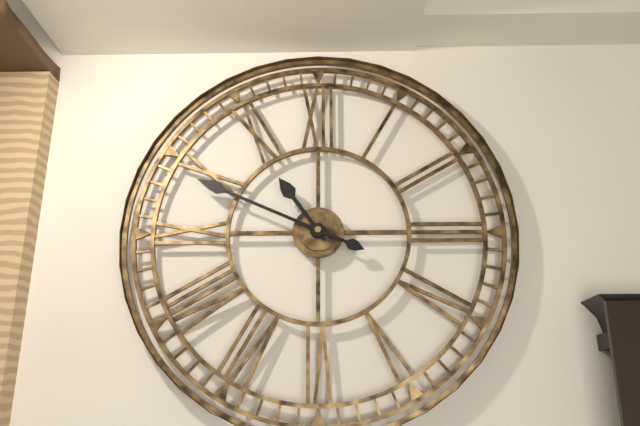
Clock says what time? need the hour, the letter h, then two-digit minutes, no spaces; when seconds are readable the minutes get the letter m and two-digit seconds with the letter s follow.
10h49
